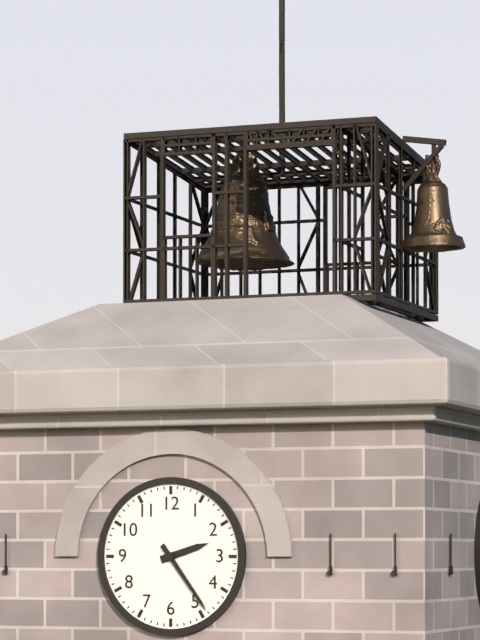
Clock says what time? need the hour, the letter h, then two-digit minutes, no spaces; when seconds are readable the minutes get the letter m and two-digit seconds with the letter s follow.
2h24
